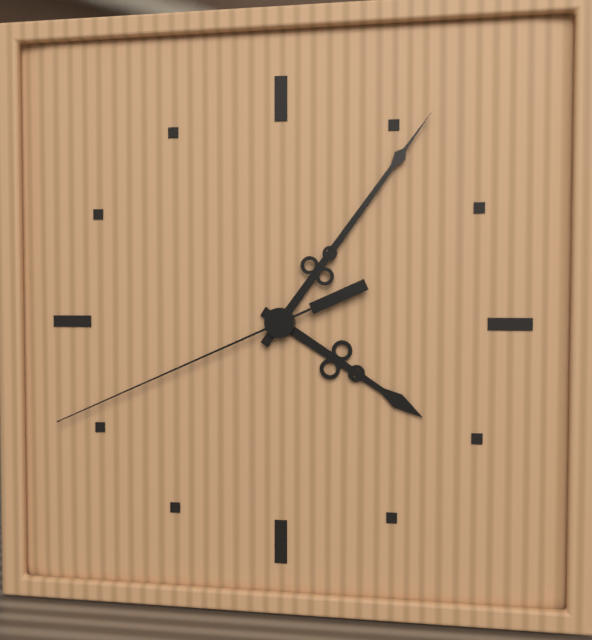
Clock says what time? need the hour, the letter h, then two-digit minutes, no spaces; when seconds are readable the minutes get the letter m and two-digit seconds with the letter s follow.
4h06m41s
